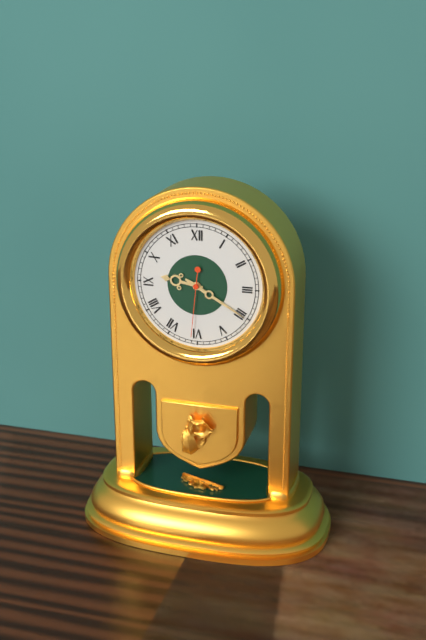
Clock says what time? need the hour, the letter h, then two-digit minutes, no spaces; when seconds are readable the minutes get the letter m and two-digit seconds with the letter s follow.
9h20m31s
